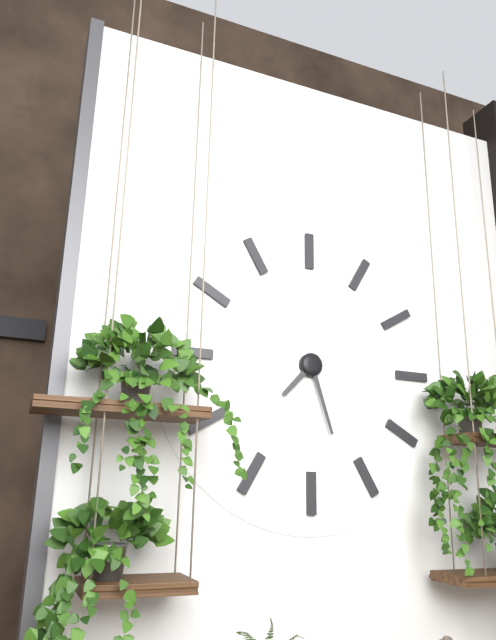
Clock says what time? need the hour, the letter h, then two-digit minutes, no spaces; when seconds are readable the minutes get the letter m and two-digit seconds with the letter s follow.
7h27
